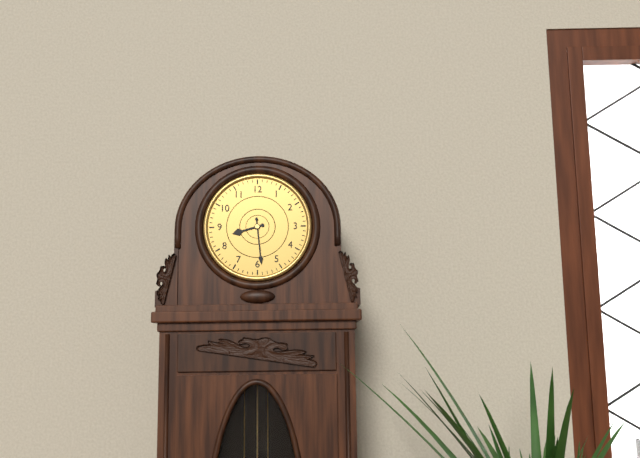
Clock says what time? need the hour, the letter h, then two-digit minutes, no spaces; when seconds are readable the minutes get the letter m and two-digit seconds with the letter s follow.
8h29
